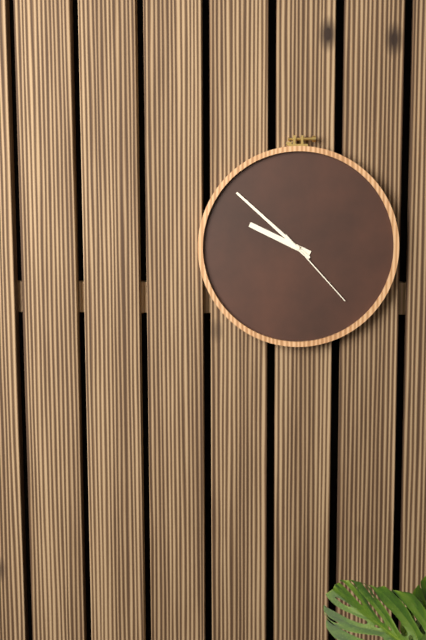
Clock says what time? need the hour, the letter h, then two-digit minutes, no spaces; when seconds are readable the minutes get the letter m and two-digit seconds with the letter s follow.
9h52m23s
